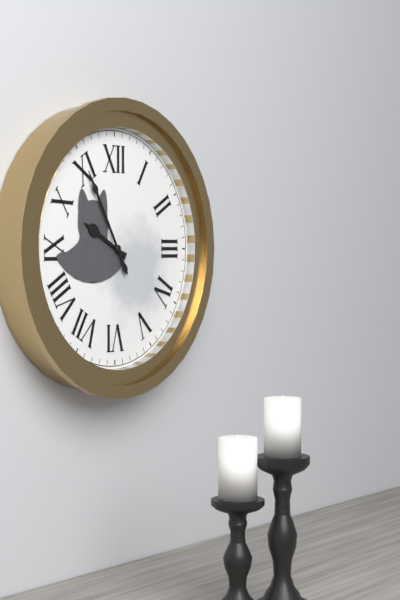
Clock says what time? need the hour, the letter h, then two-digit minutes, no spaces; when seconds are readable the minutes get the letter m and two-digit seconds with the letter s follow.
9h55
